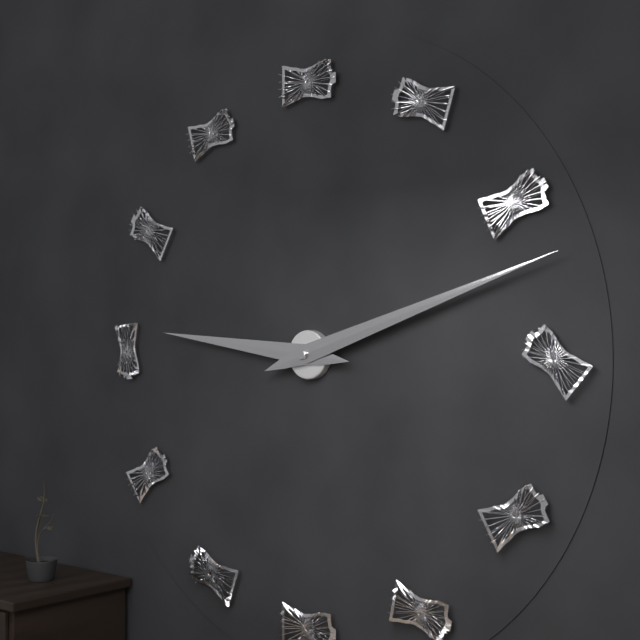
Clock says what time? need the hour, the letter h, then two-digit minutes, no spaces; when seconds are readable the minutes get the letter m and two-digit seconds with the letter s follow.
9h12
